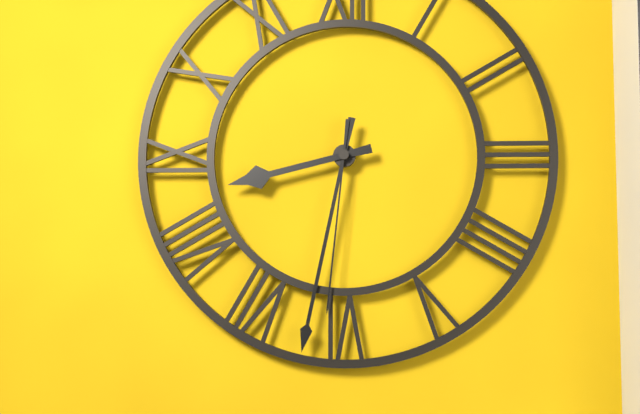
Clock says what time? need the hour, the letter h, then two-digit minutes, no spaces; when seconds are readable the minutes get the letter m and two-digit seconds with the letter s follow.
8h32m31s
